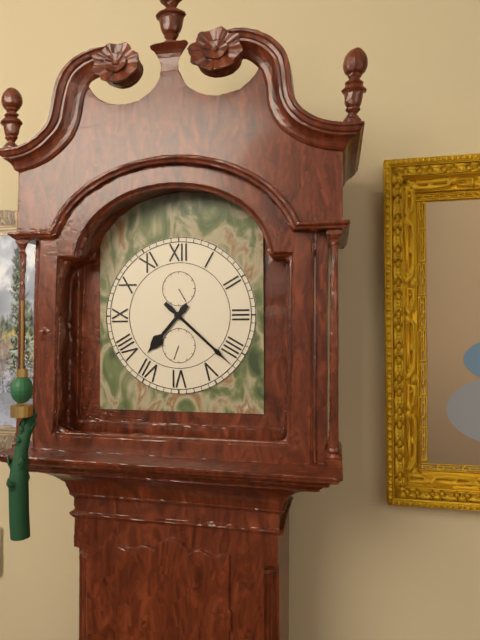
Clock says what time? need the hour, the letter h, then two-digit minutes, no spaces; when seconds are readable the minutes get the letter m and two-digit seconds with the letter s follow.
7h22
